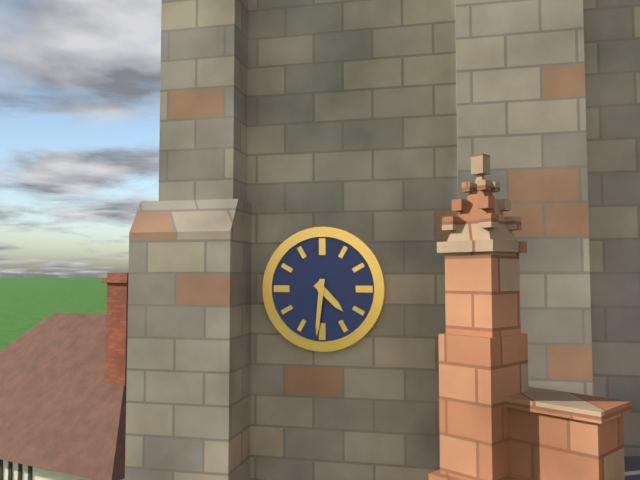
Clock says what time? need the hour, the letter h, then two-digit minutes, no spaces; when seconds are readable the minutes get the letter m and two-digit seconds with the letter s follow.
4h31
